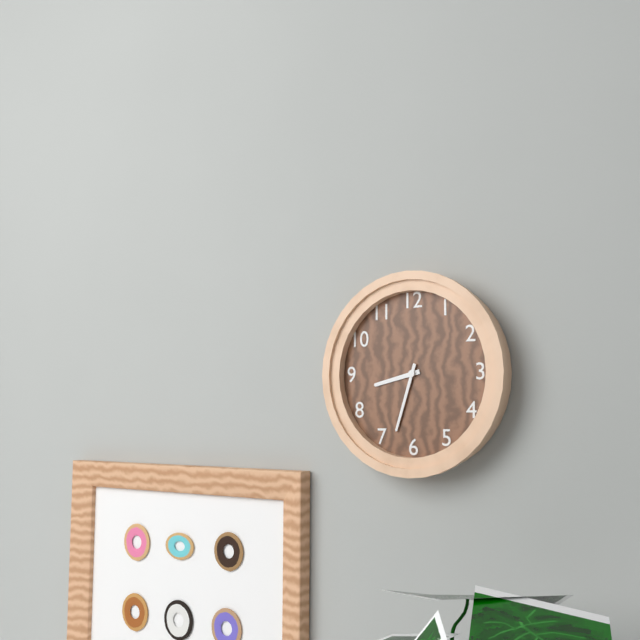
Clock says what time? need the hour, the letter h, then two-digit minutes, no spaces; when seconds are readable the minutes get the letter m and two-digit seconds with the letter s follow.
8h33
